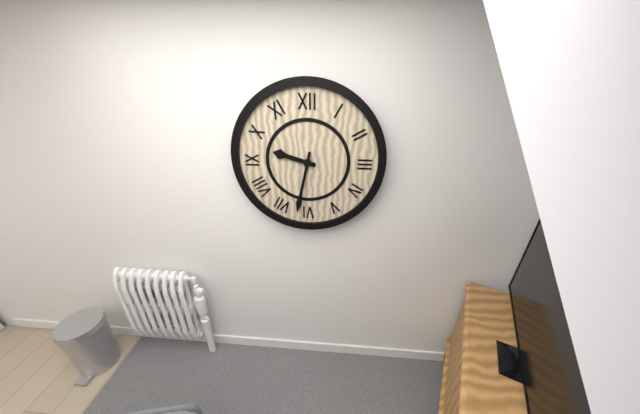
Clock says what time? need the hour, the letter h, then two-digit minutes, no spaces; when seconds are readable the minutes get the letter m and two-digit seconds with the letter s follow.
9h32
